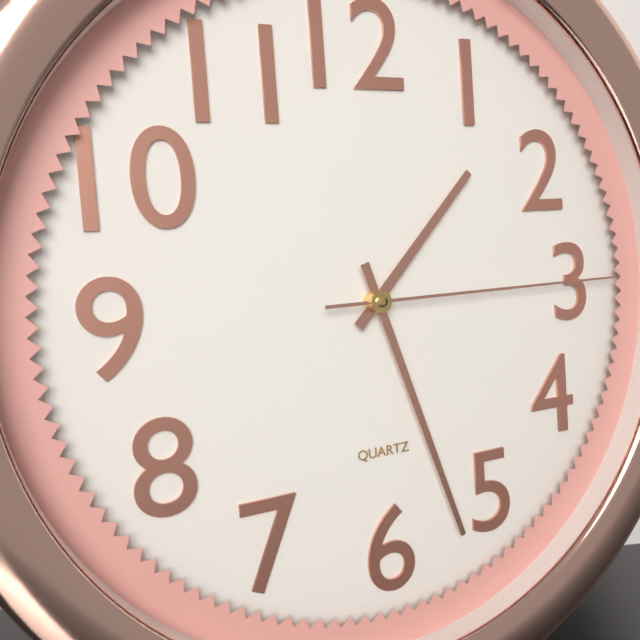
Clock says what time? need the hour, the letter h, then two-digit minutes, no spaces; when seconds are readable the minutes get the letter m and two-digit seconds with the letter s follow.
1h27m15s
